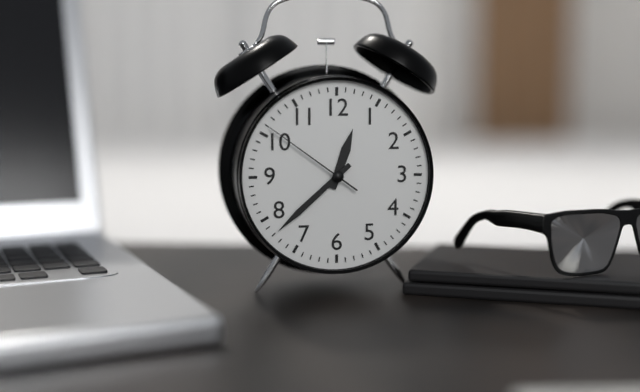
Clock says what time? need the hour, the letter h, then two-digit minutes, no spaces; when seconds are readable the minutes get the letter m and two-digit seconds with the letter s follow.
12h38m51s
